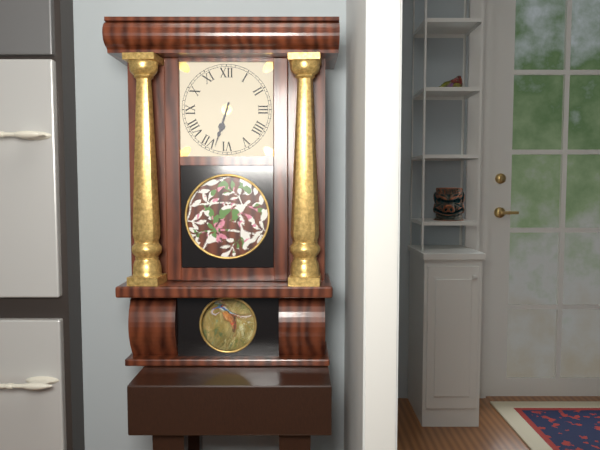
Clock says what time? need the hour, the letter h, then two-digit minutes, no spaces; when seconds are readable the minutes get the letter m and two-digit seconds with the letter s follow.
6h33
